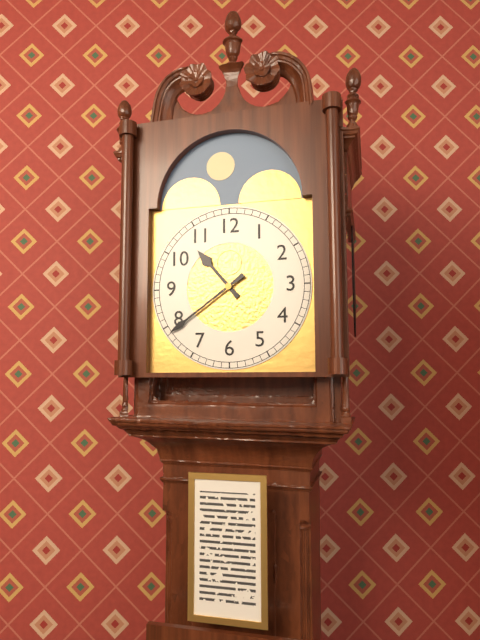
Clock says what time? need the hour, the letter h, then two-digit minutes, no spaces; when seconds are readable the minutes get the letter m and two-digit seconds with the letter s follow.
10h39
